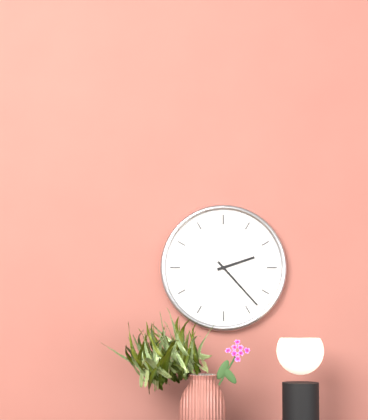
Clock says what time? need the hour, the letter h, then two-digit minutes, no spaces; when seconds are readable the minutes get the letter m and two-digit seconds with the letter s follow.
2h23
